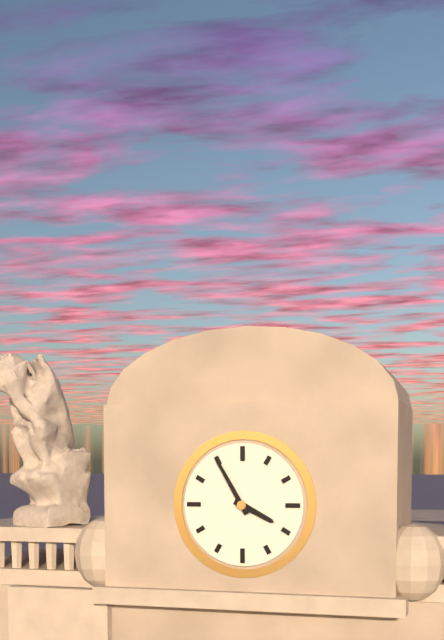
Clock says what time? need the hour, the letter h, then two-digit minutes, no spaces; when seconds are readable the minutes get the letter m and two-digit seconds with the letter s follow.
3h55
